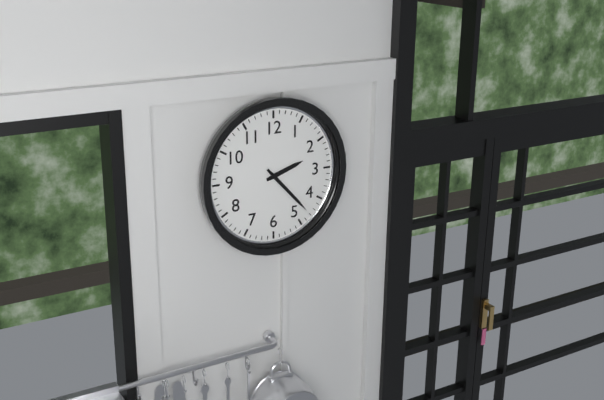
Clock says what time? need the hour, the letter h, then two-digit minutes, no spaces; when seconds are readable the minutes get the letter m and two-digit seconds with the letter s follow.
2h23
